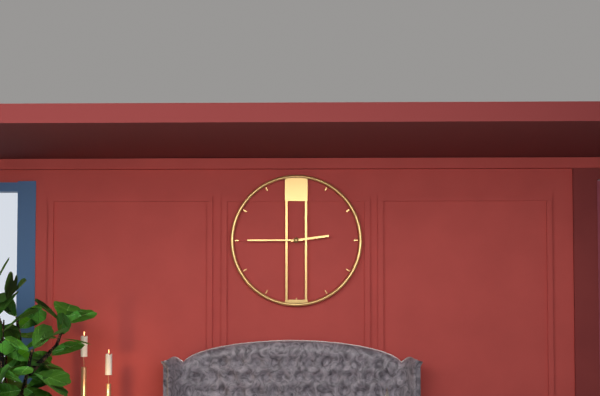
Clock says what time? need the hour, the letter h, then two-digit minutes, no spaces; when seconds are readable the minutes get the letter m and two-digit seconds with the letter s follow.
2h45
